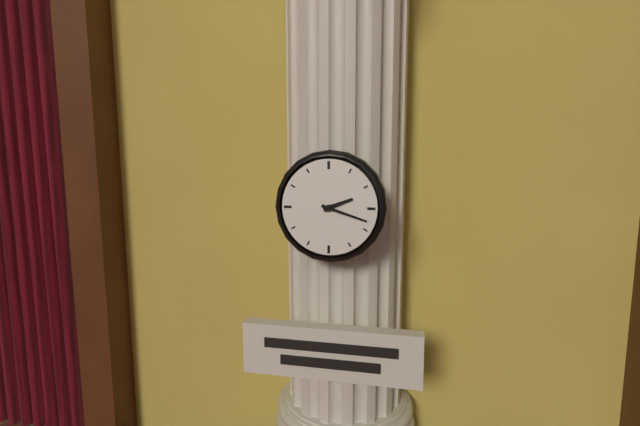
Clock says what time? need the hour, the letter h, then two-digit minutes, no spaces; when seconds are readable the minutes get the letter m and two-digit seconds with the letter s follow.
2h18
